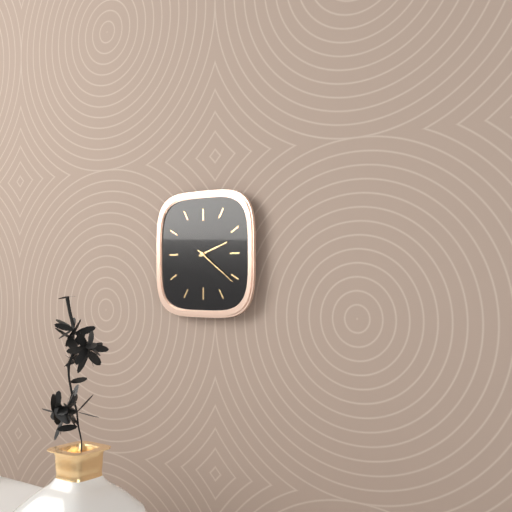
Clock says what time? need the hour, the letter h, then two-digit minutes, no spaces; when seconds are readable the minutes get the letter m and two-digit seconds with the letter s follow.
2h21
